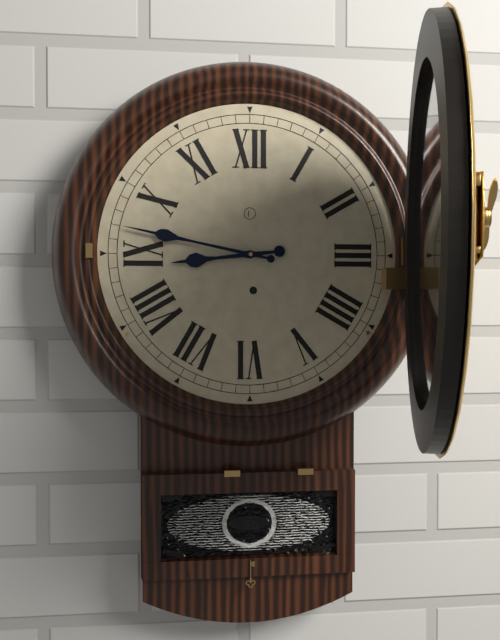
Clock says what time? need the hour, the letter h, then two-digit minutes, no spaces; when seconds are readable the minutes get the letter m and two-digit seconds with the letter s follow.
8h47
